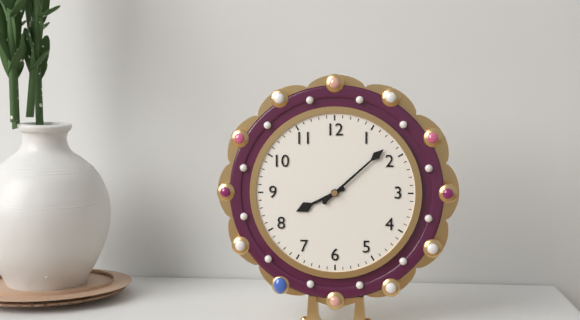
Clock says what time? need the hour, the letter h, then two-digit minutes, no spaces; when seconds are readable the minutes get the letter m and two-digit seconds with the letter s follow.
8h08
